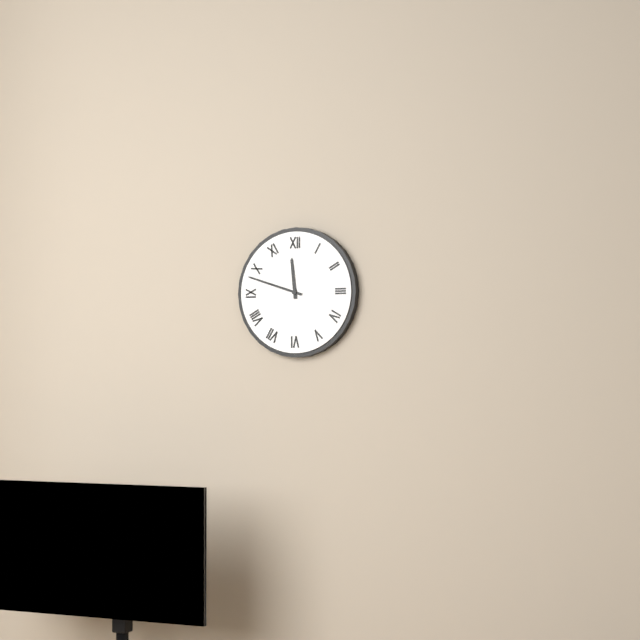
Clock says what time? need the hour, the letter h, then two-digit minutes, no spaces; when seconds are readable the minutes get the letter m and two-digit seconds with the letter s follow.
11h48
